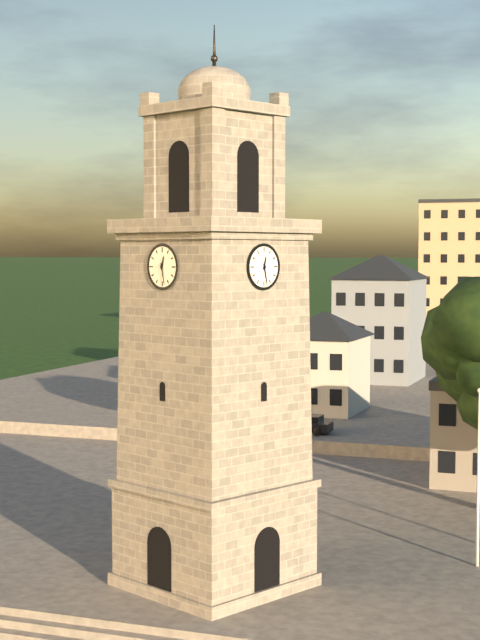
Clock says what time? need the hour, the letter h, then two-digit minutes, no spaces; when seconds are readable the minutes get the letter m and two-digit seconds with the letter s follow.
12h28
